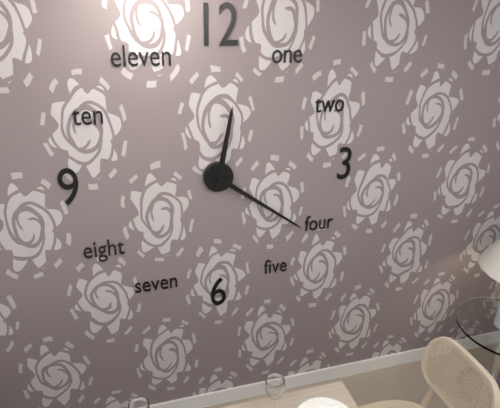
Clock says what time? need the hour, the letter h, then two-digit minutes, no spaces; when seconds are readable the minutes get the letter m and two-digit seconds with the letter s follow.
12h21
